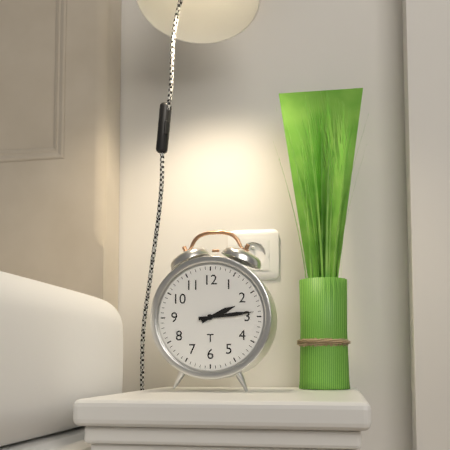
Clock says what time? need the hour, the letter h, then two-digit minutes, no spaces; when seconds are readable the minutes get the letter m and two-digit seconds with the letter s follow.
2h14
